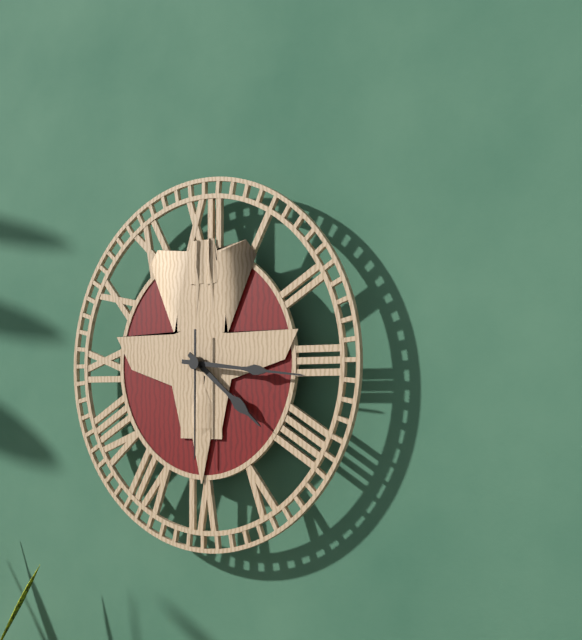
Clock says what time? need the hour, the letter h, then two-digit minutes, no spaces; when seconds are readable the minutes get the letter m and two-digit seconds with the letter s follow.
4h16m30s
